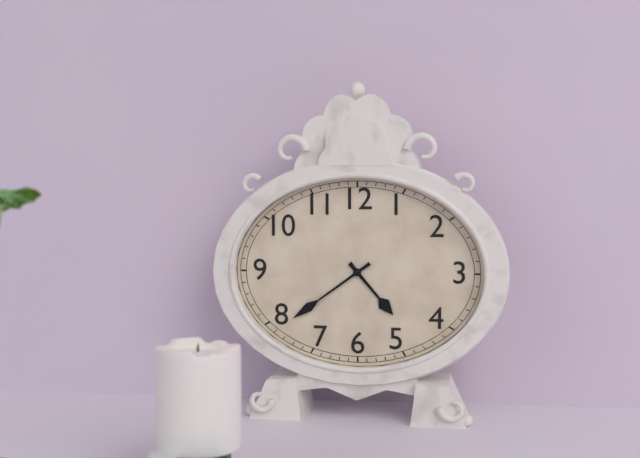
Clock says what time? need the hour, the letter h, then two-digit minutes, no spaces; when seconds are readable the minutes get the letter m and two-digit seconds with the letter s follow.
4h39
